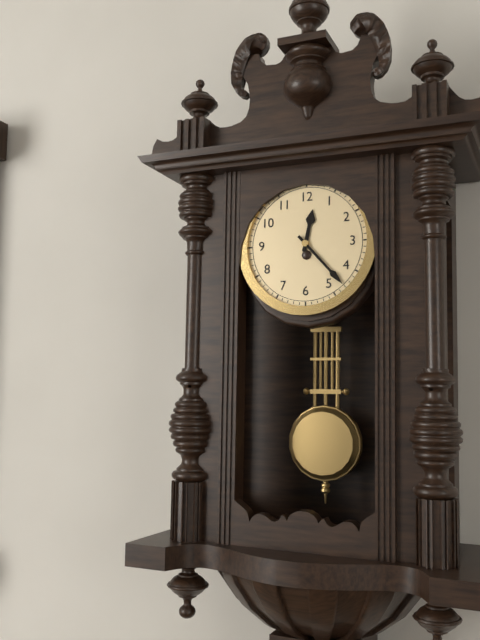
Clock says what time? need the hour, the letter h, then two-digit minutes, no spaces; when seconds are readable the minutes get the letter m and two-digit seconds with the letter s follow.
12h23
